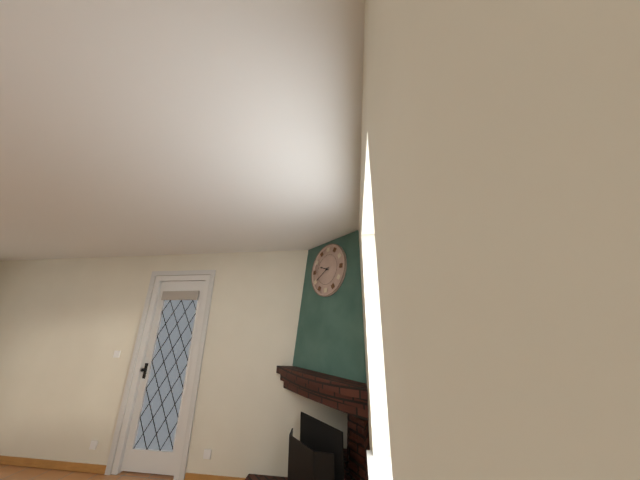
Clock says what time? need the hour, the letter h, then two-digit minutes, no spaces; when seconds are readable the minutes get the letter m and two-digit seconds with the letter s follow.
9h40
